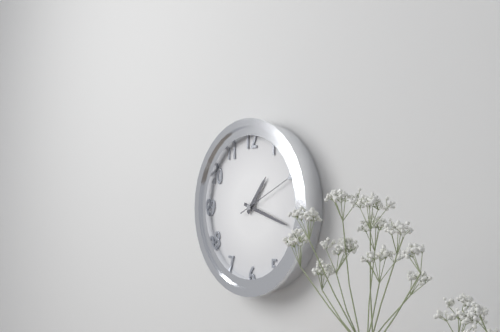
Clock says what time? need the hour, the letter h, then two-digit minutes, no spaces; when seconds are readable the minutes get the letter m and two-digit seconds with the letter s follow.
1h18m11s
